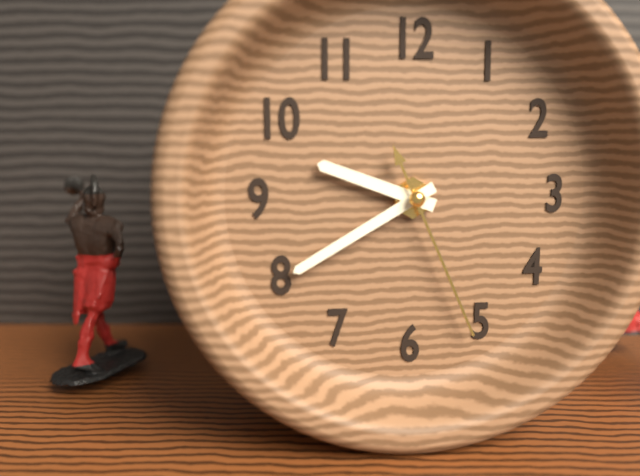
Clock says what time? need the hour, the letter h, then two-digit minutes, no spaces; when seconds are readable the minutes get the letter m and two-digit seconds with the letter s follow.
9h40m26s
